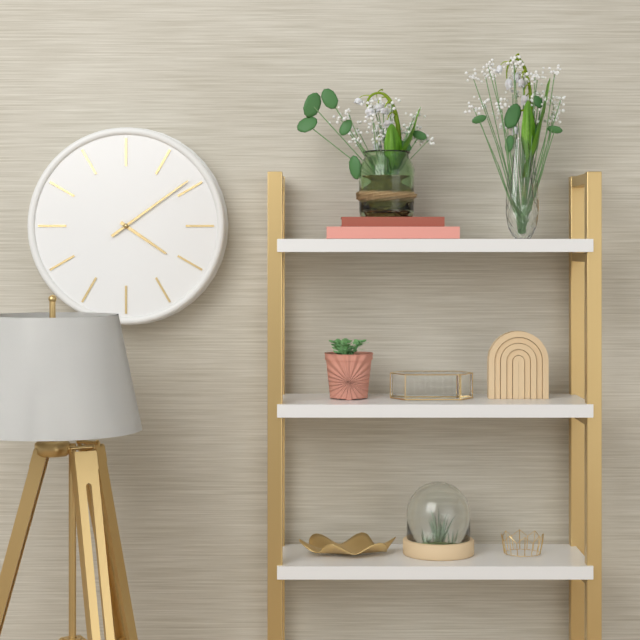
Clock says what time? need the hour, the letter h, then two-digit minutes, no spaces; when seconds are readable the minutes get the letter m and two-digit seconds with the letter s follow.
4h09
